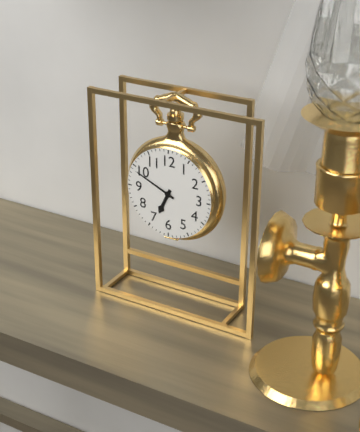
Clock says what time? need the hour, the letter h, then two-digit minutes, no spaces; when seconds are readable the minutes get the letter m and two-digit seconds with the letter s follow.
6h49
